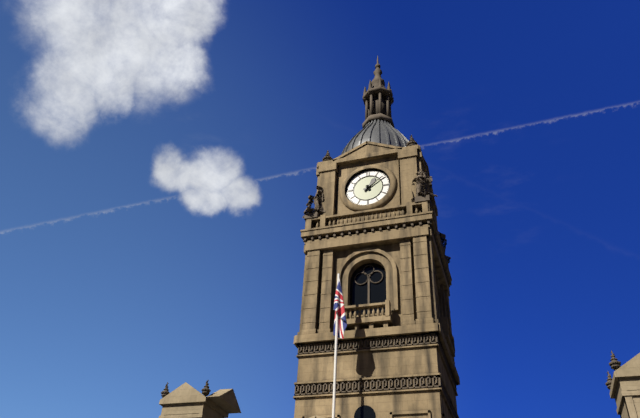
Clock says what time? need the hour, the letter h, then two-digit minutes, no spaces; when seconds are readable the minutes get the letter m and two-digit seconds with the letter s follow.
1h09
